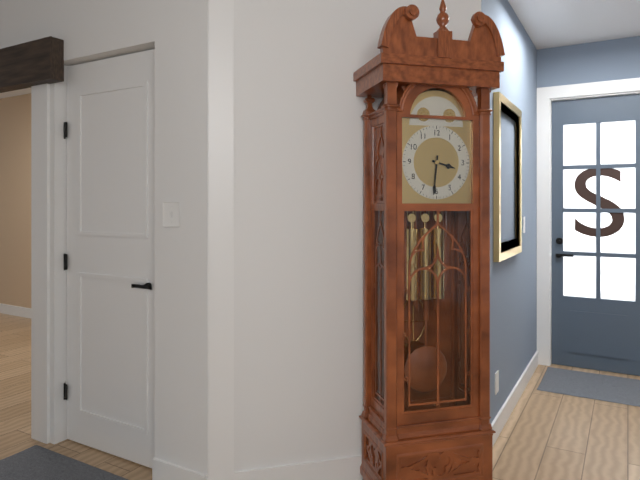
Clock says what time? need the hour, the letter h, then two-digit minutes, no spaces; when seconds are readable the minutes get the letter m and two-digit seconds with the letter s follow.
3h31
